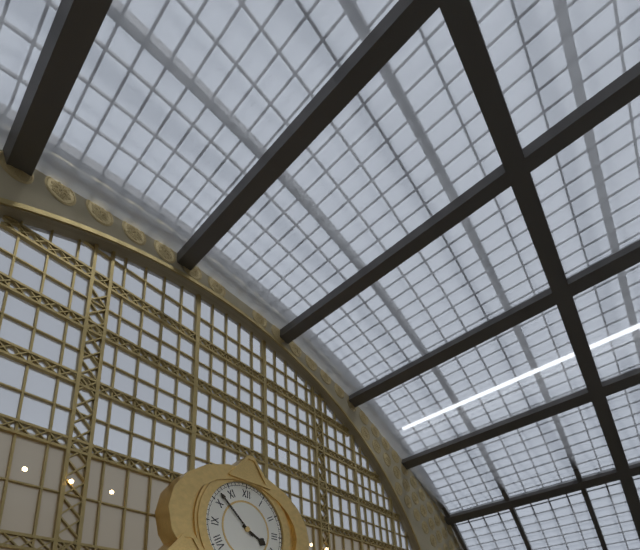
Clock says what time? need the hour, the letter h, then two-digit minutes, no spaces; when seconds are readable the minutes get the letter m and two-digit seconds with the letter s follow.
3h52
